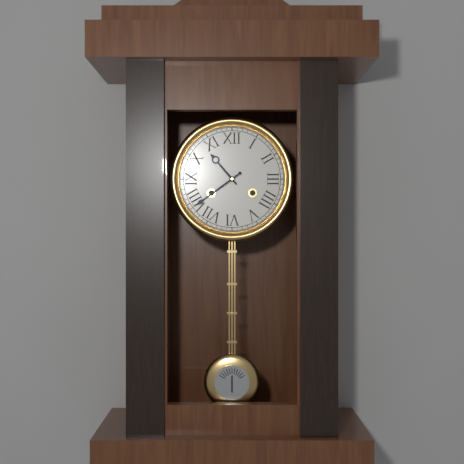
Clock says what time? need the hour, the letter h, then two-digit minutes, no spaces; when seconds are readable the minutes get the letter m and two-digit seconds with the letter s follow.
10h39
